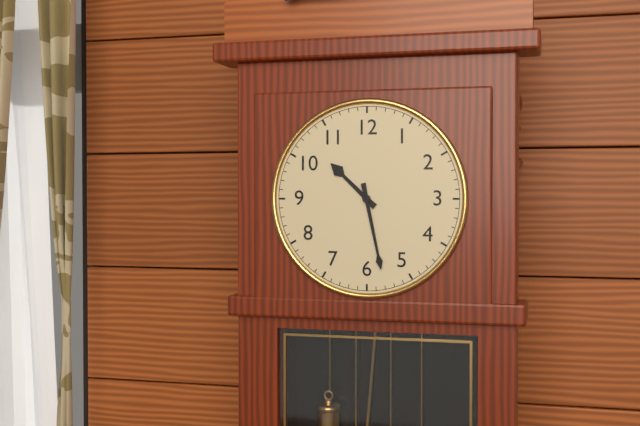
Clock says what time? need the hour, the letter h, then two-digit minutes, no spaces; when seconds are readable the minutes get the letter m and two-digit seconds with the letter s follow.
10h28
